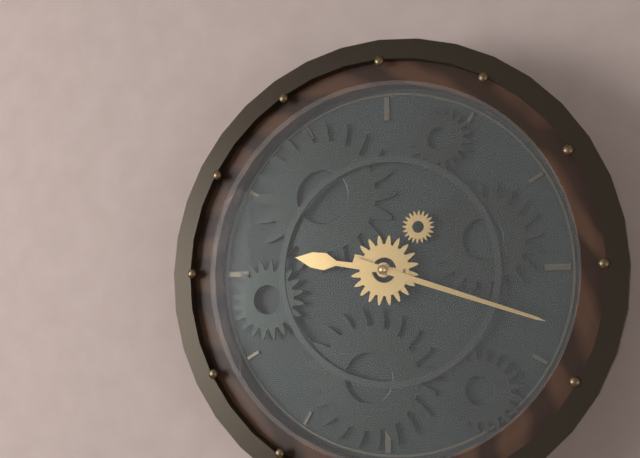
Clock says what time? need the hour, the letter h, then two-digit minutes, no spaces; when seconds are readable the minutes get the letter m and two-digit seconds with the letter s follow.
9h18
